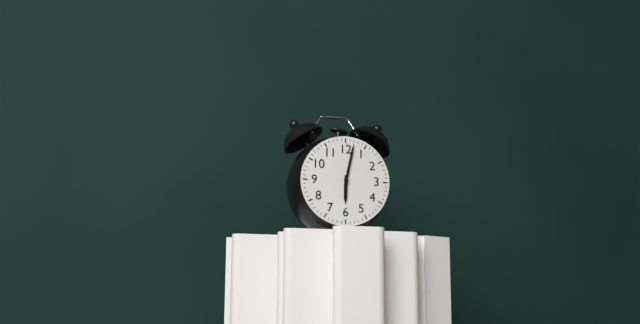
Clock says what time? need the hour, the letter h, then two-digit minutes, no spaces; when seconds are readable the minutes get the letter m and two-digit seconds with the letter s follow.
6h02
